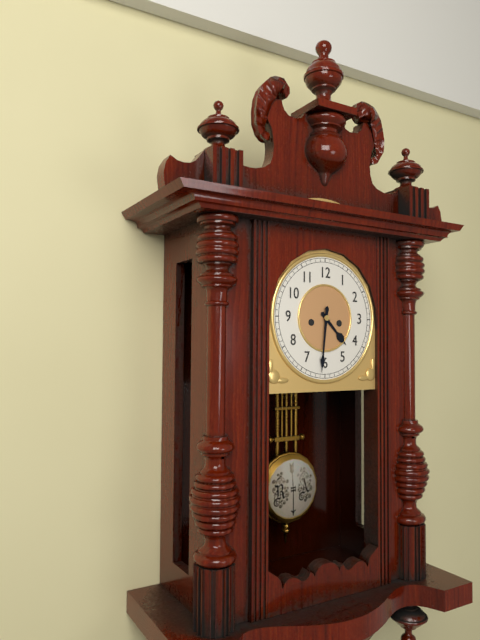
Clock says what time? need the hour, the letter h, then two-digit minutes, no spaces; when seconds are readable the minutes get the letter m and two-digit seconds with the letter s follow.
4h31
